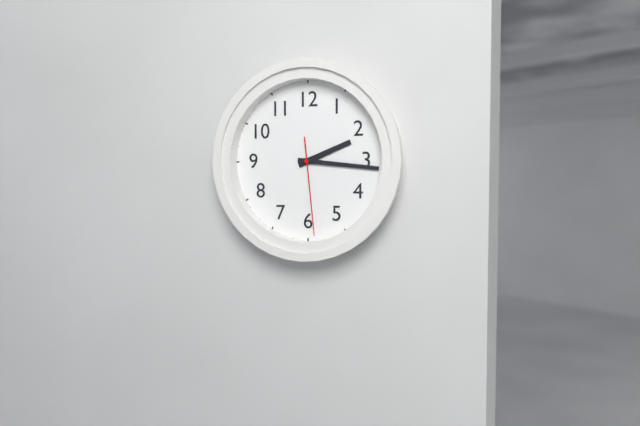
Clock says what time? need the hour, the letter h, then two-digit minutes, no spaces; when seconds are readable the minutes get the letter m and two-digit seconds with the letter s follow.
2h16m29s
